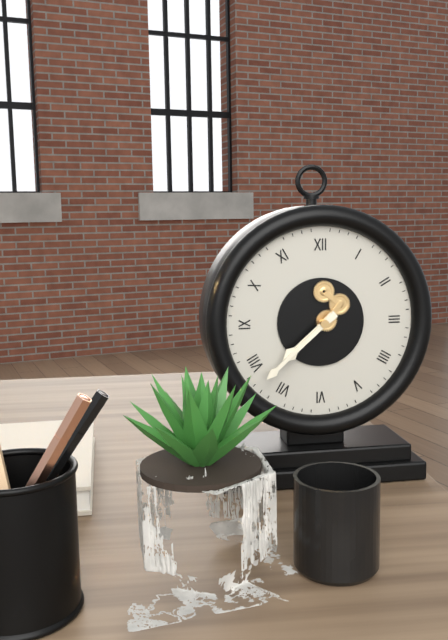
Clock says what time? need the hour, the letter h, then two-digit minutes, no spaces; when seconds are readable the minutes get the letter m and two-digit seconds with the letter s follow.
7h38
